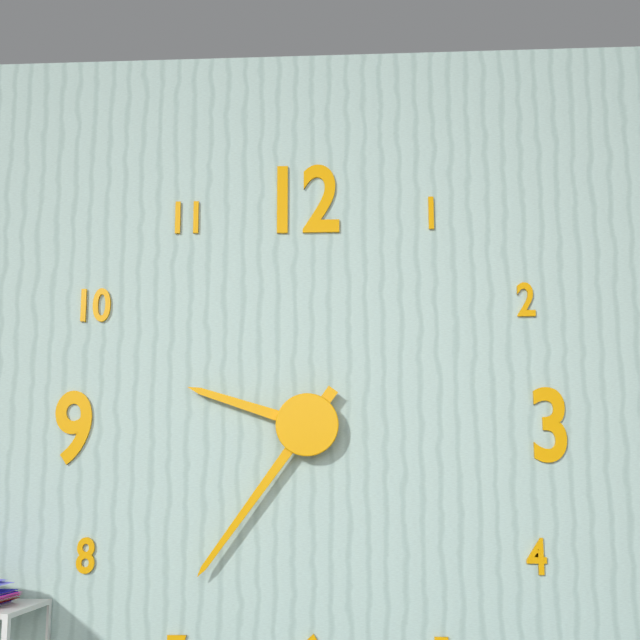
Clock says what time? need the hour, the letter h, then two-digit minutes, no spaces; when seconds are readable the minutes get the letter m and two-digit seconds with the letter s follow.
9h36
